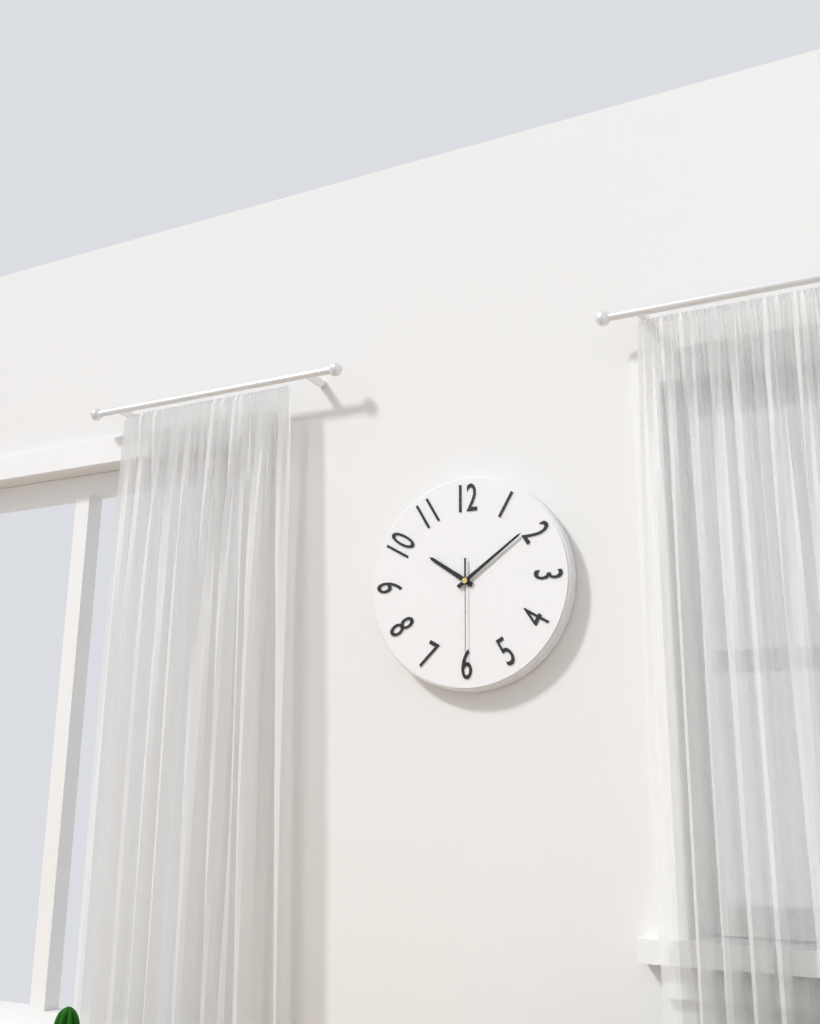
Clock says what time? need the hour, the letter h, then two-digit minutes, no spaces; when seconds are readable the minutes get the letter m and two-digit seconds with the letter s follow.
10h09m30s
